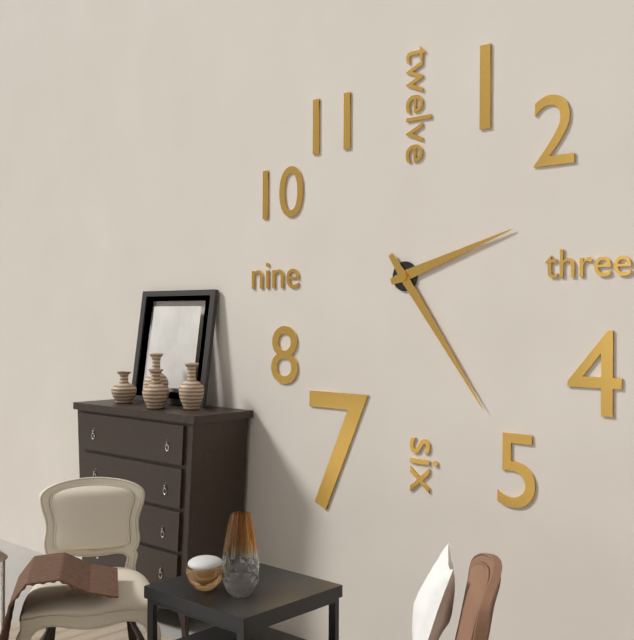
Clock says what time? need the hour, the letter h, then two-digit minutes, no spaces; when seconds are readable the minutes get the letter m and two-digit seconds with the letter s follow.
2h24
